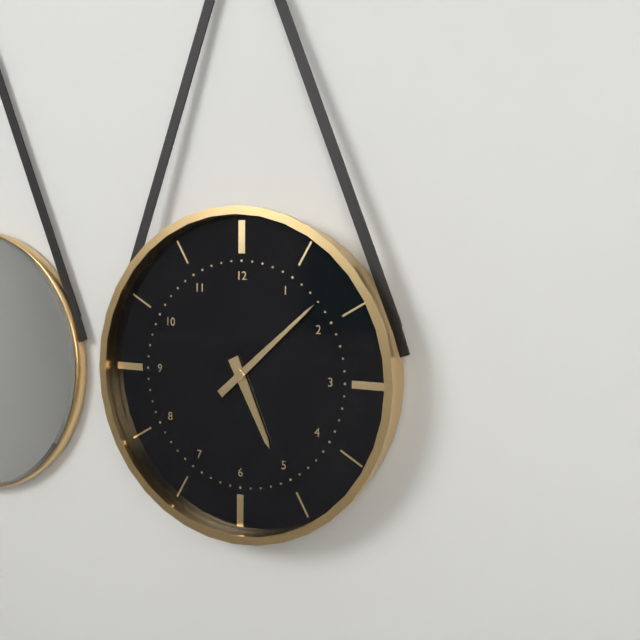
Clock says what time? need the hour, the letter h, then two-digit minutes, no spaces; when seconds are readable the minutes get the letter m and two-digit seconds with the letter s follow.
5h08
